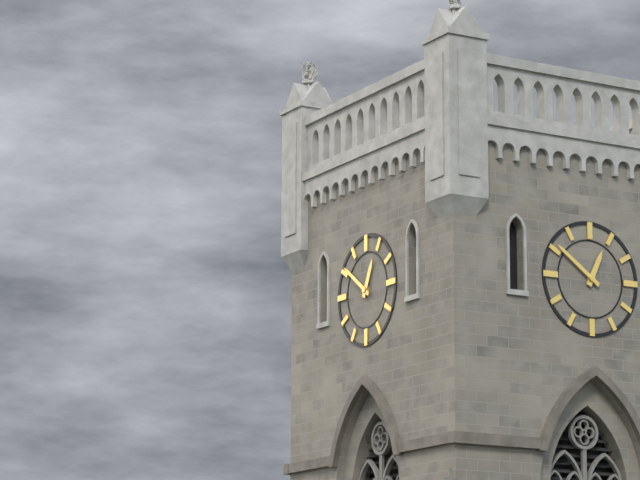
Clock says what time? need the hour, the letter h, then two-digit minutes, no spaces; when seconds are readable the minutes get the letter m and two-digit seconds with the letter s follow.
12h51
